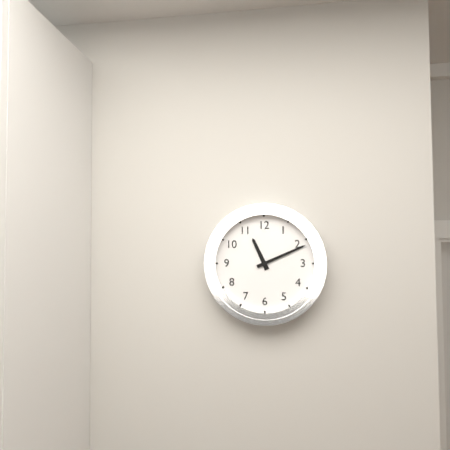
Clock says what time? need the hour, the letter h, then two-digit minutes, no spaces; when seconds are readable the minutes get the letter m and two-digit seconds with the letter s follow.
11h11
